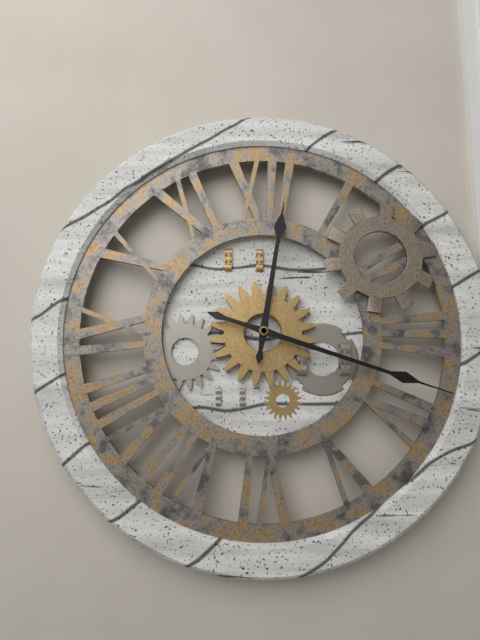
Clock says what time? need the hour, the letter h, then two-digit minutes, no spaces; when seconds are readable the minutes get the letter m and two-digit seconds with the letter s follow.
12h18
